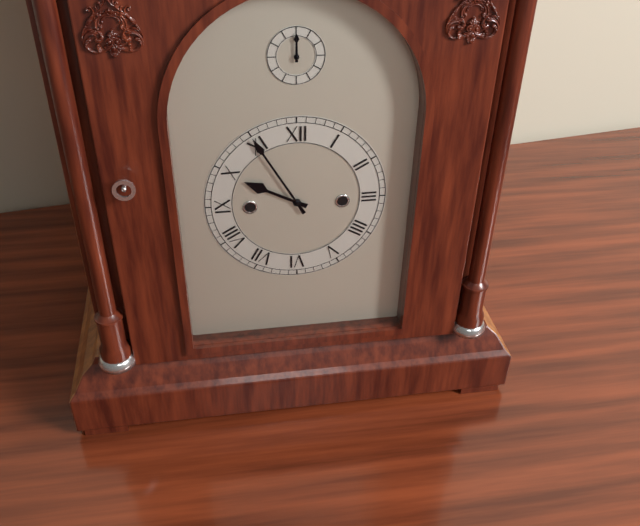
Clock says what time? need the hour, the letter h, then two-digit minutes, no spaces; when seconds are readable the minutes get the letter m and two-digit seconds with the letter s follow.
9h55
